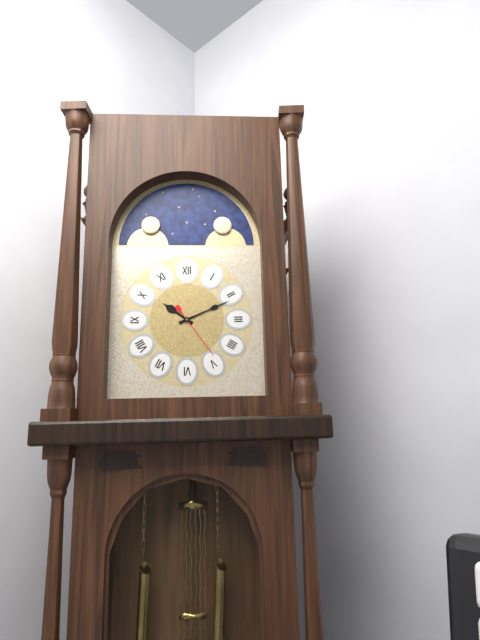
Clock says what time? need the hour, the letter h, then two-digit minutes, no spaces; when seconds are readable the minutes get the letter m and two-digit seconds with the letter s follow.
10h11m24s
